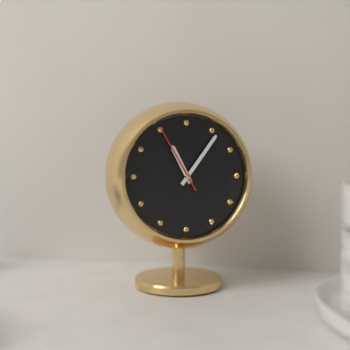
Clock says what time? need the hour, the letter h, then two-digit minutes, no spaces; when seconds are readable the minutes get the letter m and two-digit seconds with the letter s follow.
11h06m55s
